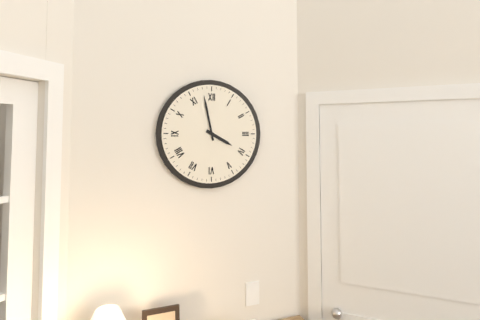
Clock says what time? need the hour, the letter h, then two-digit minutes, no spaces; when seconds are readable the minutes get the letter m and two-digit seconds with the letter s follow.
3h58
